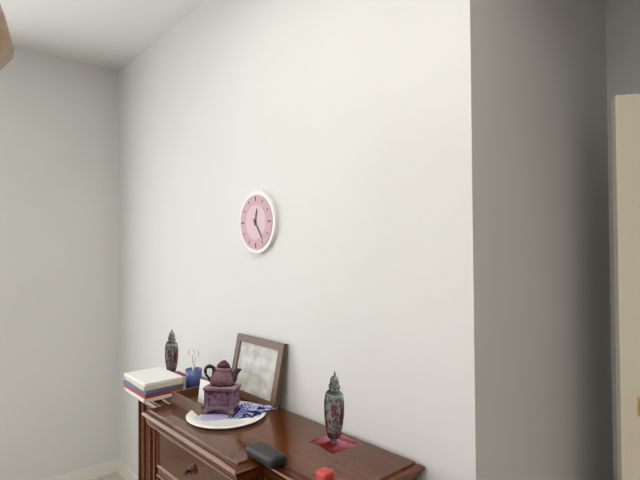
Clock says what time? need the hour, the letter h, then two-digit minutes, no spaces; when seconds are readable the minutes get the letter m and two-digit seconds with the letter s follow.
12h24
